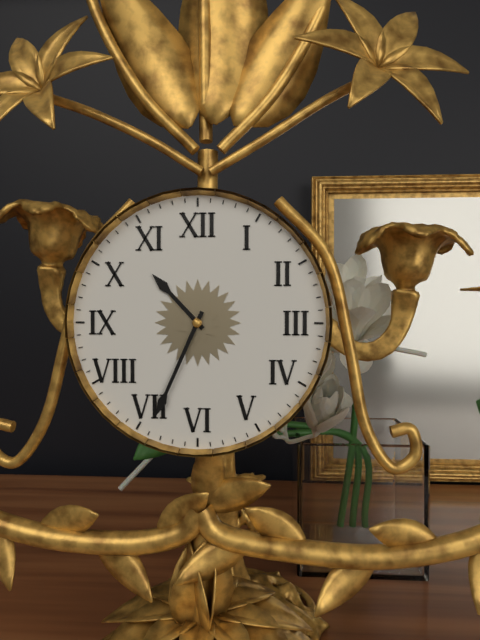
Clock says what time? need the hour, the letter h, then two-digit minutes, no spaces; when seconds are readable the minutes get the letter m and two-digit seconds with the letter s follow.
10h34
